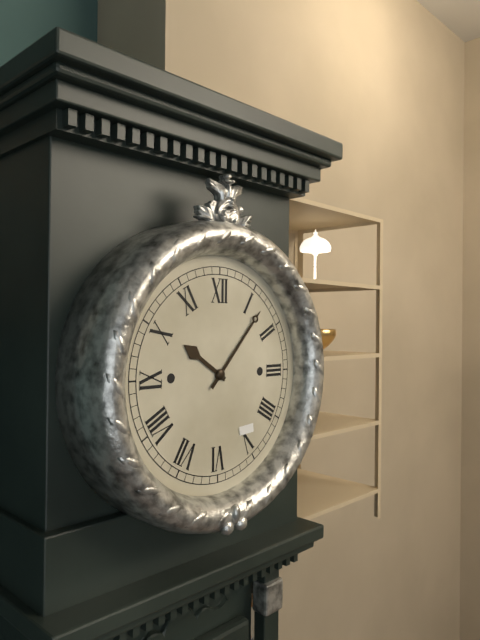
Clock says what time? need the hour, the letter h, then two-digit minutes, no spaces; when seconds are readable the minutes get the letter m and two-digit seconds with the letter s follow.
10h07
